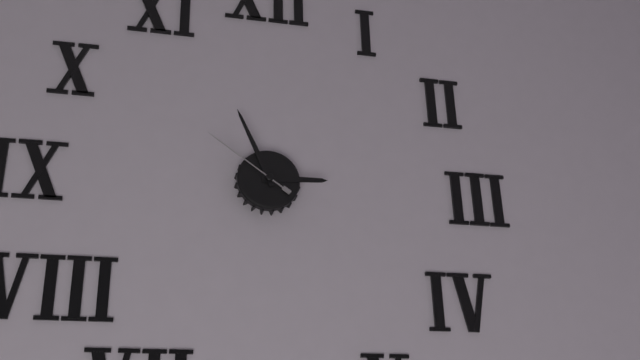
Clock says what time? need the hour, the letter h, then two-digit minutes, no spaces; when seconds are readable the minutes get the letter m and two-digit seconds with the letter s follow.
2h56m51s
